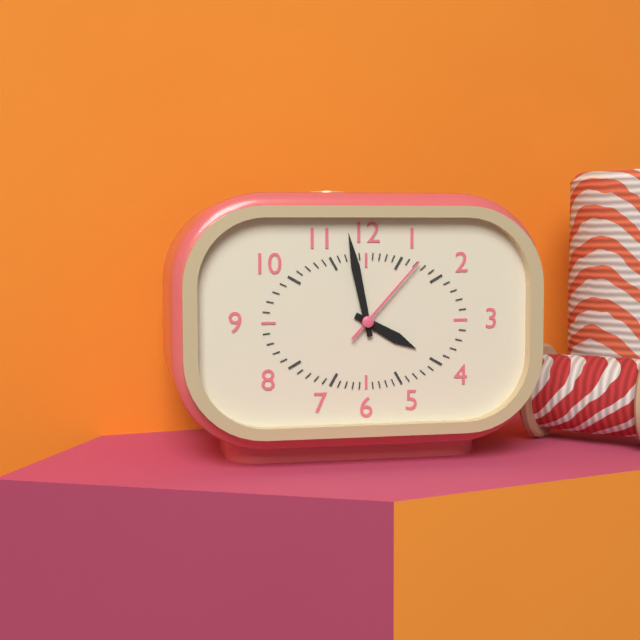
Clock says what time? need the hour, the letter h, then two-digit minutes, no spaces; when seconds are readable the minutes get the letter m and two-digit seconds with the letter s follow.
3h58m07s
